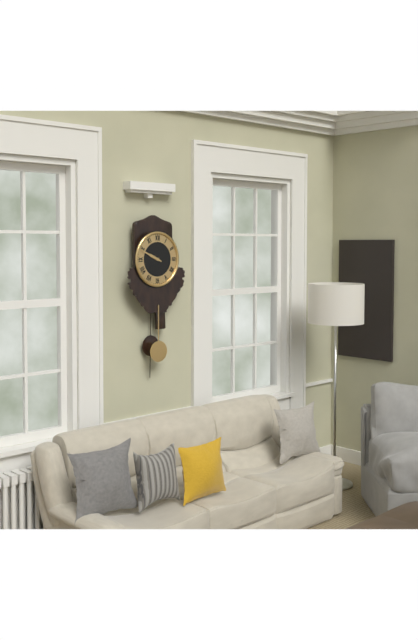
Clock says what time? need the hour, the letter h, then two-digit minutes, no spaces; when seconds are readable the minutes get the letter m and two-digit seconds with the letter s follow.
9h49
